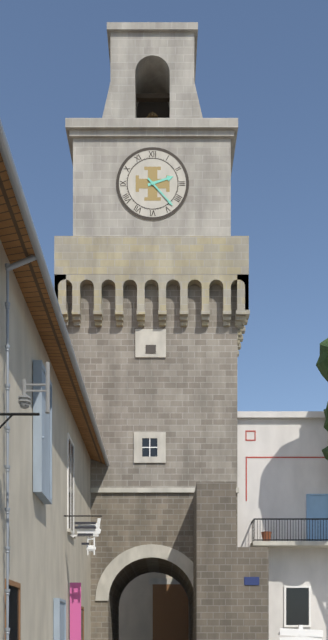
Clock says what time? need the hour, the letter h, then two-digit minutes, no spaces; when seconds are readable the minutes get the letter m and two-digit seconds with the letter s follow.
2h23
